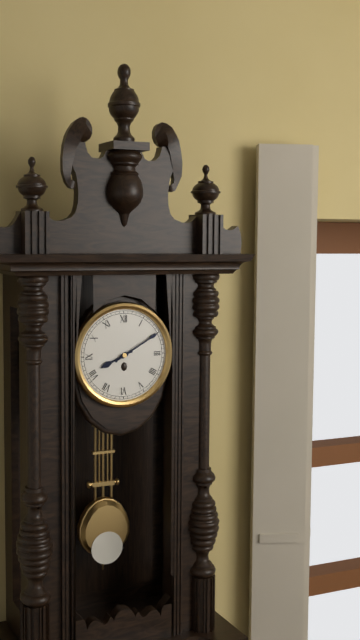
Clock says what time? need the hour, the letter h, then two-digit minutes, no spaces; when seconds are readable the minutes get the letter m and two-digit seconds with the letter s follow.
8h10
